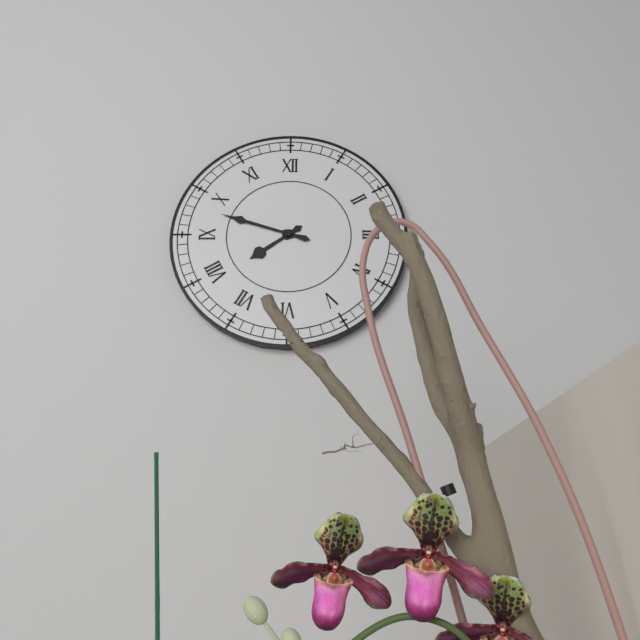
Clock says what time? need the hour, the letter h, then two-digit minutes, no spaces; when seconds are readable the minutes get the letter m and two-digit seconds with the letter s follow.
7h48
